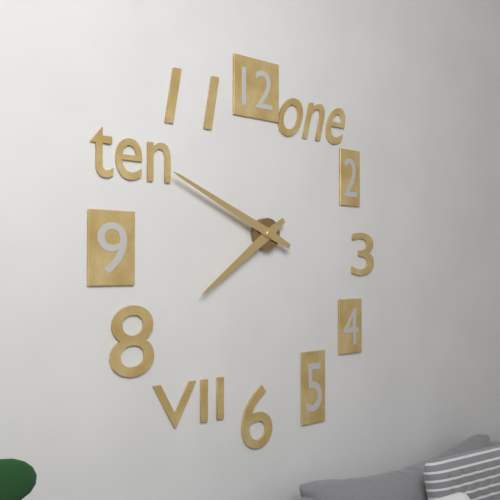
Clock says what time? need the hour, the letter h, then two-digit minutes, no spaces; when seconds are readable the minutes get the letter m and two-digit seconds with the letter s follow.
7h49
